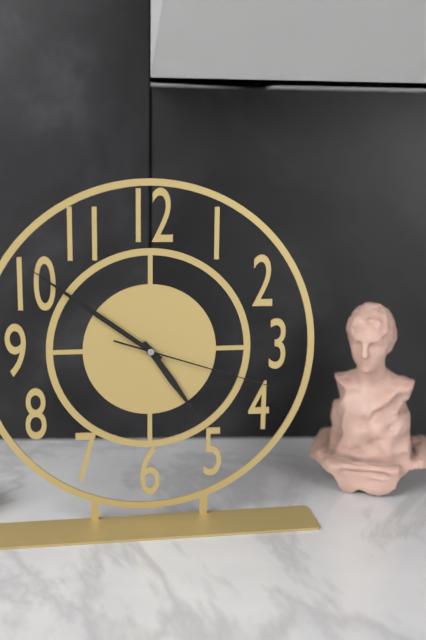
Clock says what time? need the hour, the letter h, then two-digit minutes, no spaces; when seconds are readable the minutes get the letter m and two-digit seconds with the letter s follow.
4h51m18s
